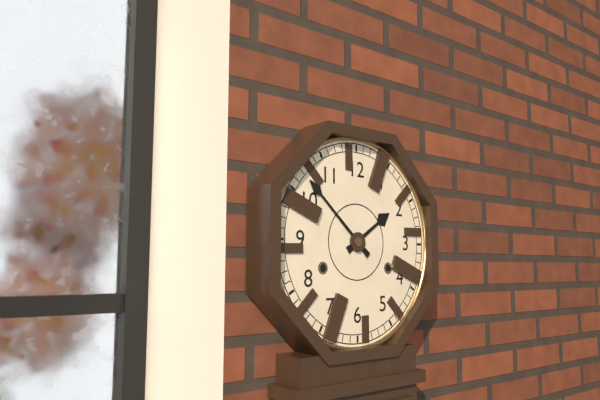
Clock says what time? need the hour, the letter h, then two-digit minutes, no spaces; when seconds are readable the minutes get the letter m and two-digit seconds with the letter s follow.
1h52
